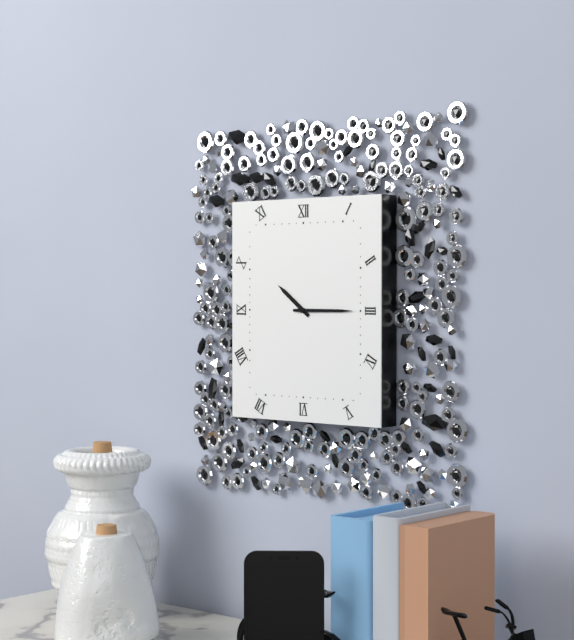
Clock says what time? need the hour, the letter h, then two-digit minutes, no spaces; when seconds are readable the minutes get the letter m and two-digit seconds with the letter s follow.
10h15
